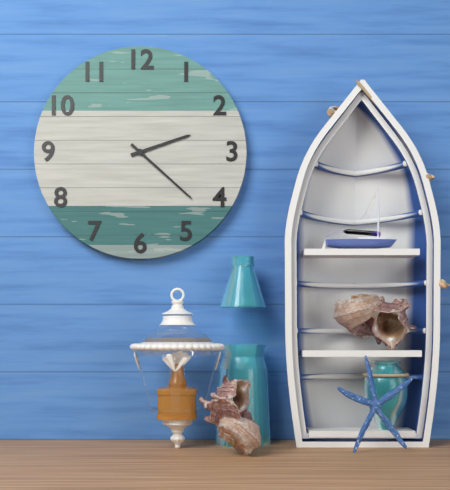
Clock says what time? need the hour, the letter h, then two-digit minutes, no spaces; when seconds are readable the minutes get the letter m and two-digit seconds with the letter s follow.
2h22
